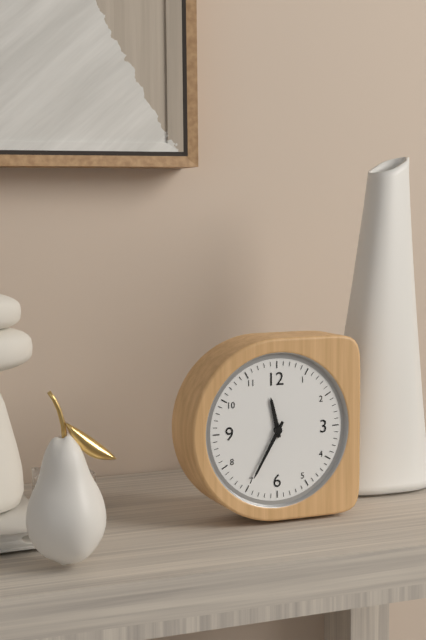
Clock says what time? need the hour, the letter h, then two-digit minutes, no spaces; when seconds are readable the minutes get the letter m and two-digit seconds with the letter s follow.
11h35
